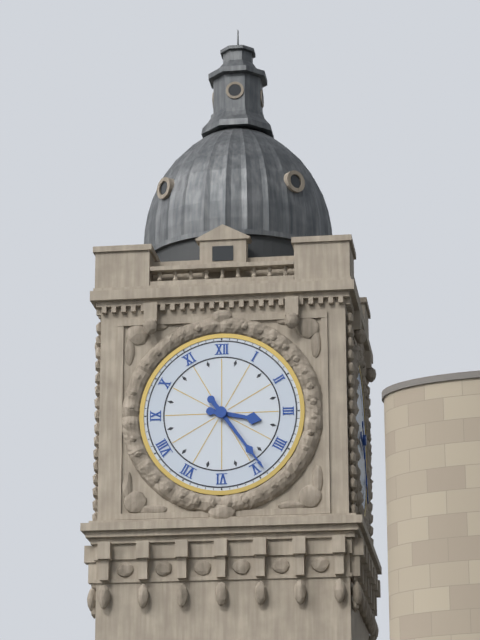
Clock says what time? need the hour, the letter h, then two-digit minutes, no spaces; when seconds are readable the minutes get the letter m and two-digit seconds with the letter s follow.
3h24
